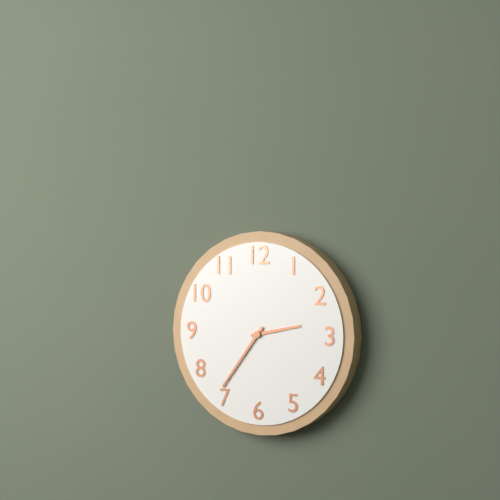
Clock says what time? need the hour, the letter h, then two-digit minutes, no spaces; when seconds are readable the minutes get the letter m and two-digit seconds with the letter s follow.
2h36
